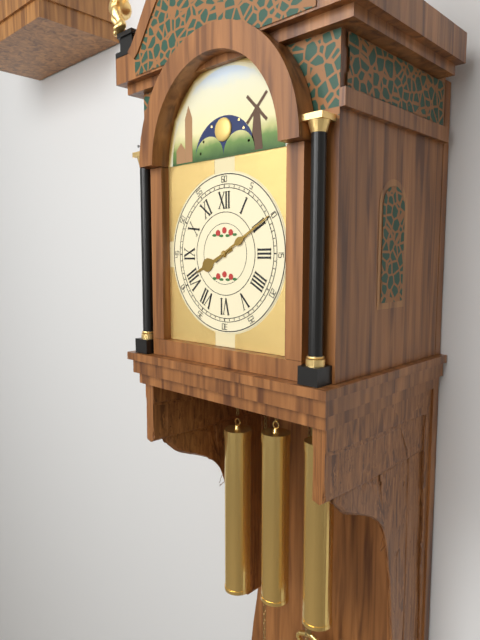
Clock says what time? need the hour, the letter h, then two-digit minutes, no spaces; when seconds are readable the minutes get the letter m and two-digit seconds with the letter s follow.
8h10
